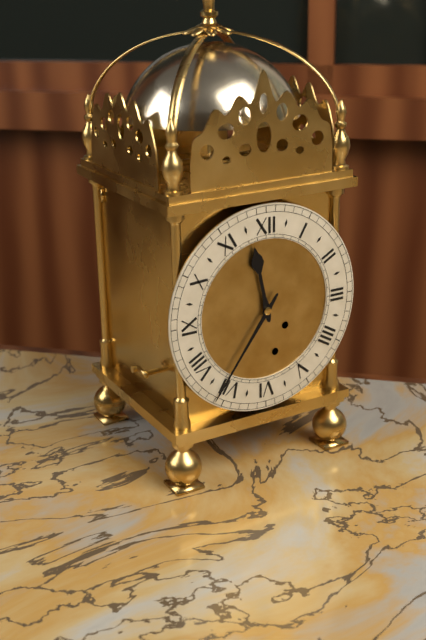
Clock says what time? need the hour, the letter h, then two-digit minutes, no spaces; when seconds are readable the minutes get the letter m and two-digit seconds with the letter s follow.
11h36
